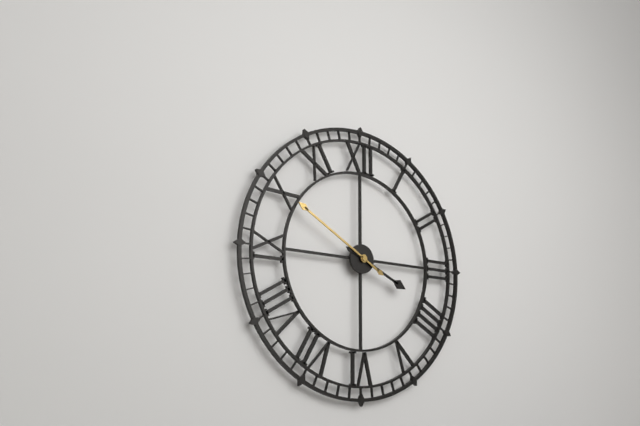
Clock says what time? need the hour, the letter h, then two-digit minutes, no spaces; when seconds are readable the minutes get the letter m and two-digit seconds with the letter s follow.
3h50
